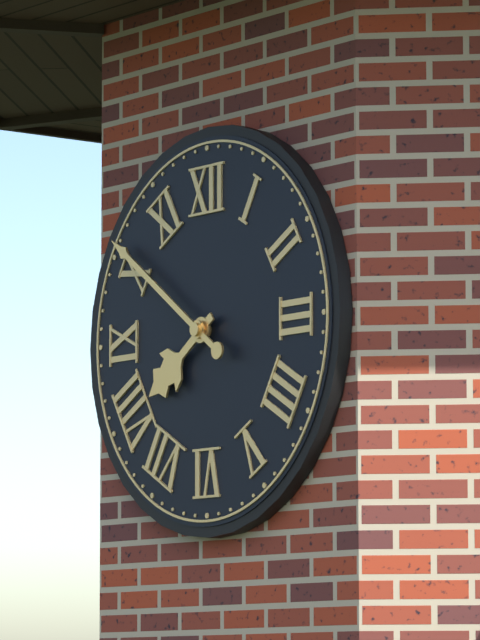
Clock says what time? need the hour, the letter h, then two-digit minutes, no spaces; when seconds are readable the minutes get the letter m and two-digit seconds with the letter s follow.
7h51
